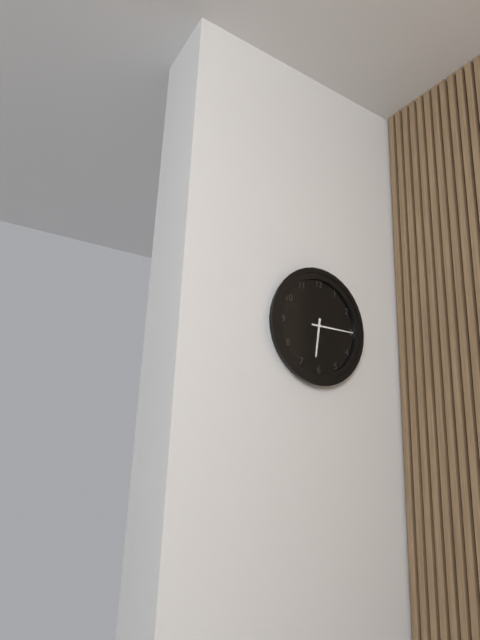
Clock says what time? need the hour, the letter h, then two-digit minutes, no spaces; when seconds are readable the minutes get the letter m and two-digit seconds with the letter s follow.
6h15
